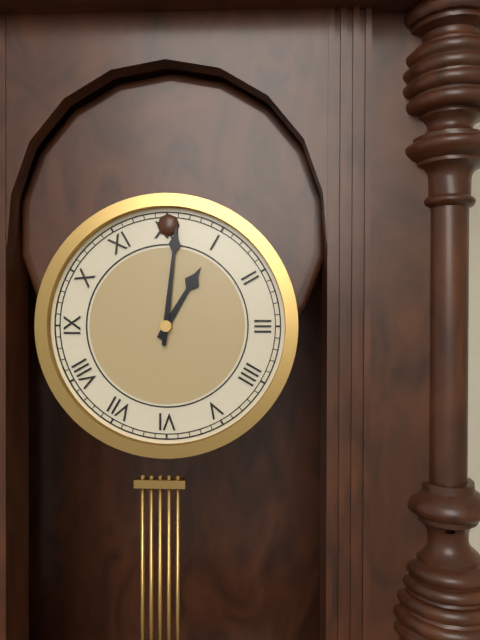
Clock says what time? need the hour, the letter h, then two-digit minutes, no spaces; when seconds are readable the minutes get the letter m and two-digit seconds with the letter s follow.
1h01
